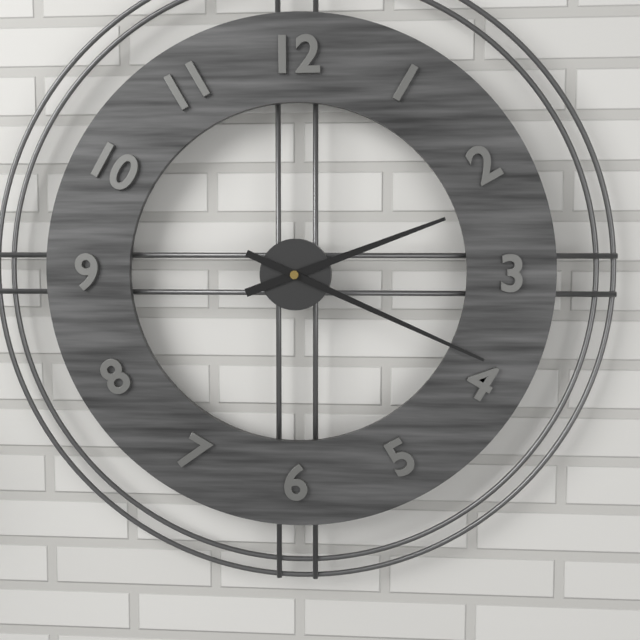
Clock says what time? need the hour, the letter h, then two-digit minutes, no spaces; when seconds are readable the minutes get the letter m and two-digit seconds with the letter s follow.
2h19
